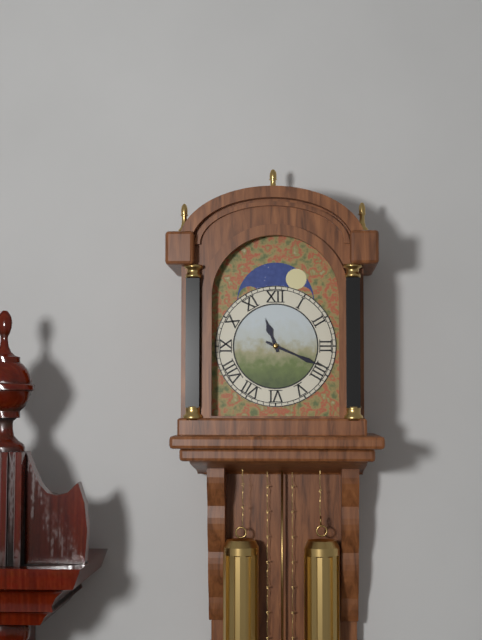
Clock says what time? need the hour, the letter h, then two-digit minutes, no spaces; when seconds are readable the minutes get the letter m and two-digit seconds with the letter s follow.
11h19
